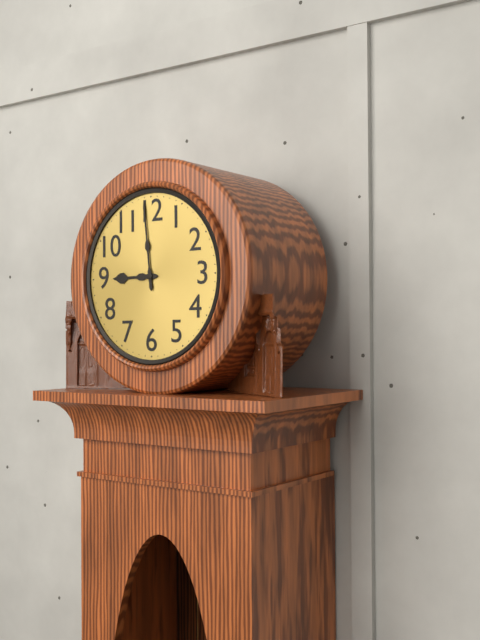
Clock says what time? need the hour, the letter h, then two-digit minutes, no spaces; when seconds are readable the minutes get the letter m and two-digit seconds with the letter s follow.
8h59
